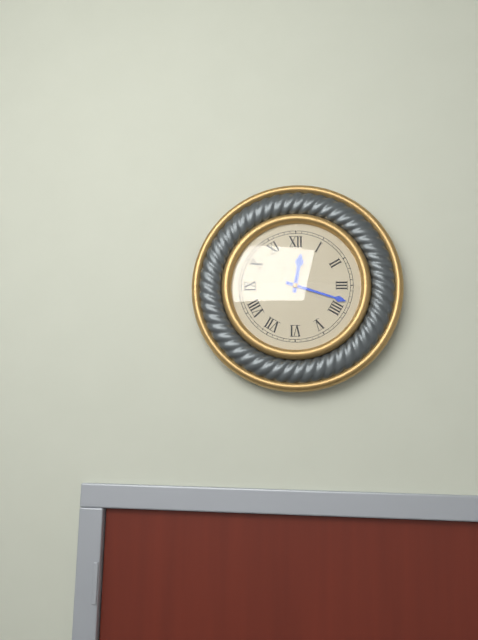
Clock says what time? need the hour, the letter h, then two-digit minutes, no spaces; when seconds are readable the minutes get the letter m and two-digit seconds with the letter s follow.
12h18
